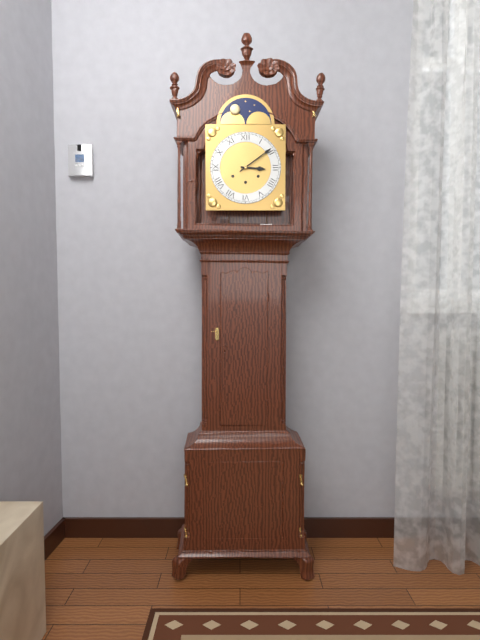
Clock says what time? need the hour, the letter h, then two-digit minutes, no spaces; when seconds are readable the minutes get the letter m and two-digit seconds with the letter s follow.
3h09
